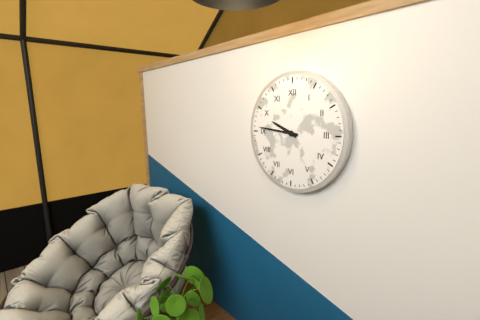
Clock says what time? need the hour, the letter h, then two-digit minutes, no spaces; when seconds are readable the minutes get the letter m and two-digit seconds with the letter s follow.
9h46
